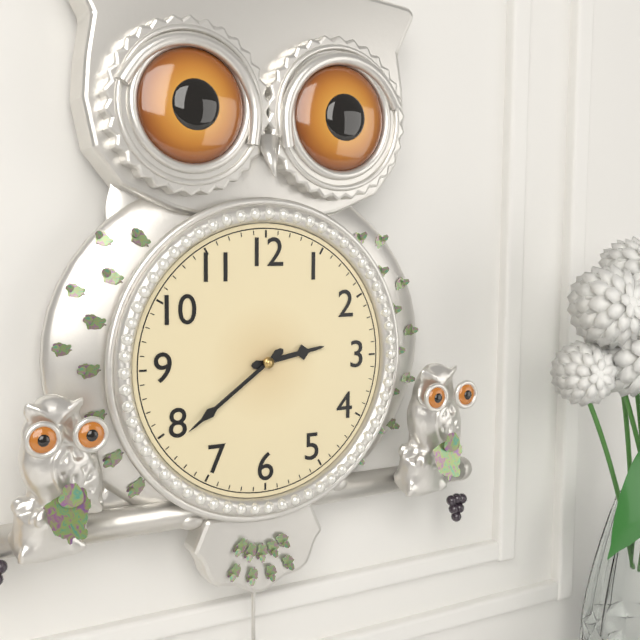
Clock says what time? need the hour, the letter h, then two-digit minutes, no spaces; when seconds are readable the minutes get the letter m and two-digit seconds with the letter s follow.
2h39
